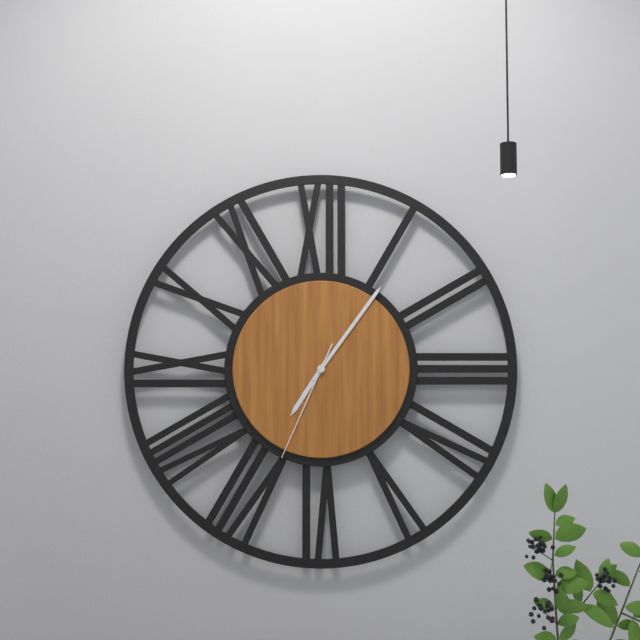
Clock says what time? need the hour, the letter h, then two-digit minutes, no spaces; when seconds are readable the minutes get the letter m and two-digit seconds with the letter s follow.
7h06m34s
